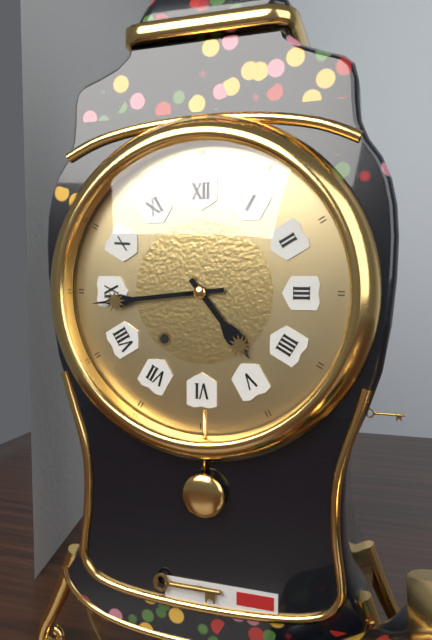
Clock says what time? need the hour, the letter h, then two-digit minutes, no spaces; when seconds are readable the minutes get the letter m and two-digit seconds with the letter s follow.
4h44
